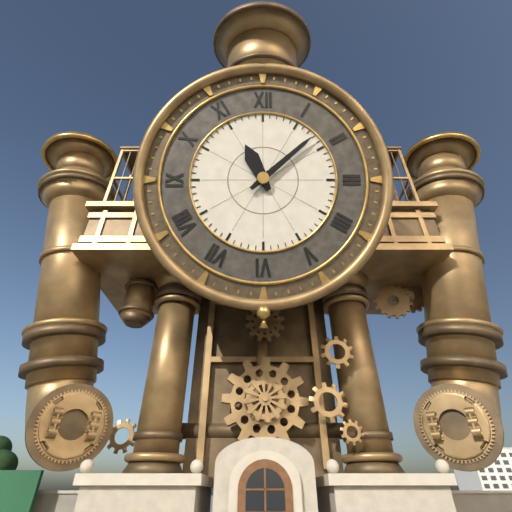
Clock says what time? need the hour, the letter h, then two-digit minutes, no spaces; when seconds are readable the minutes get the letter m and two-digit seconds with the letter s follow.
11h08
